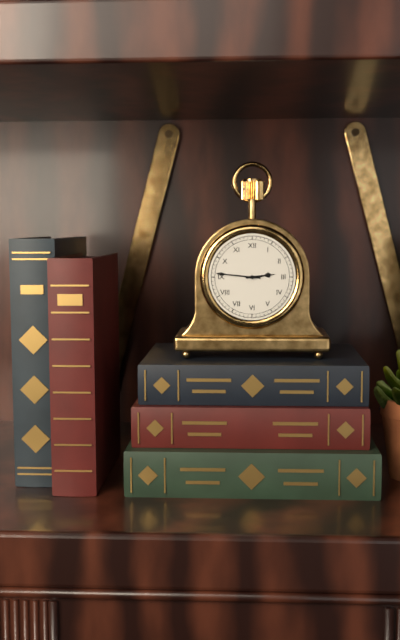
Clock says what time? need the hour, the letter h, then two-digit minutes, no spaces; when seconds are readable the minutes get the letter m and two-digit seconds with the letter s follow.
2h46
